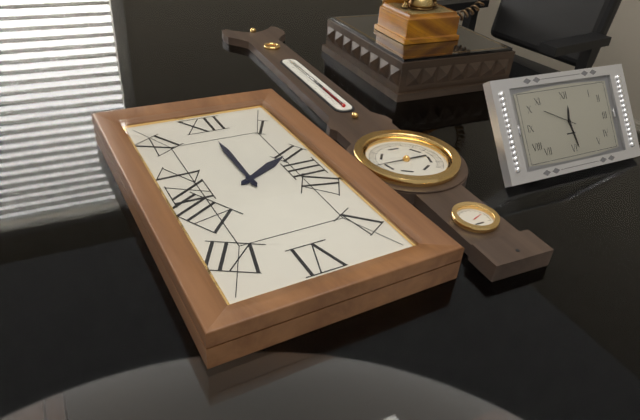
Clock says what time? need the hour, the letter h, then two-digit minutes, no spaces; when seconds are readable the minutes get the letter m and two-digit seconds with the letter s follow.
2h00
